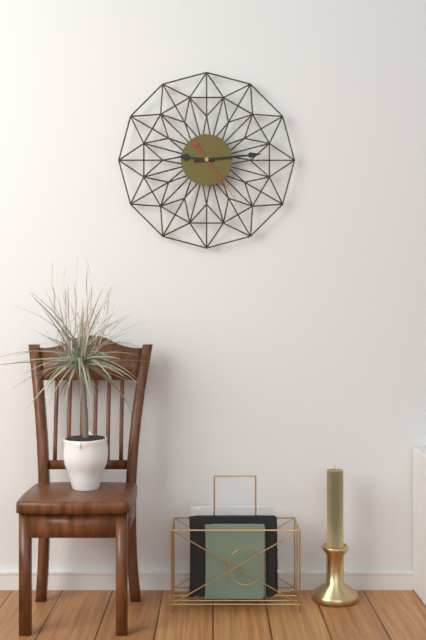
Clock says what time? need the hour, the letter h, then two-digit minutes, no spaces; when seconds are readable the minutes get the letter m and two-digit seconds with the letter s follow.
9h14m24s
